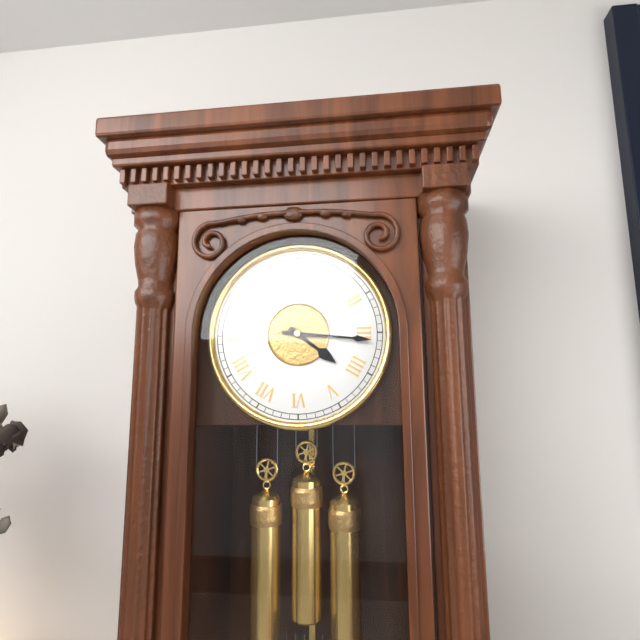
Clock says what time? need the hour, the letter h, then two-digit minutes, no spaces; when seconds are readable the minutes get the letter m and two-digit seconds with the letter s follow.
4h16
